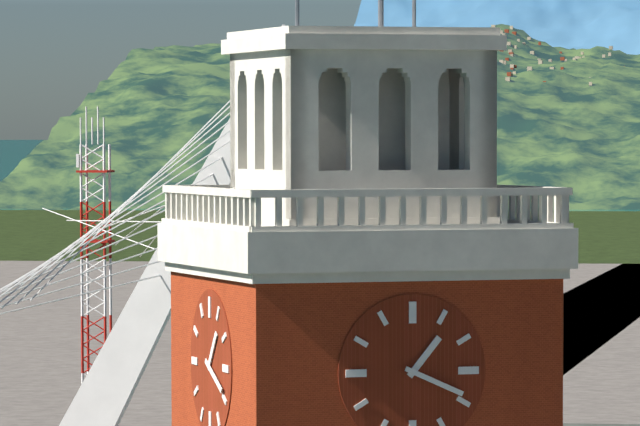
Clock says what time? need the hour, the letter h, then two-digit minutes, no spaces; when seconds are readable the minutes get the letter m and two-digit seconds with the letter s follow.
1h19
